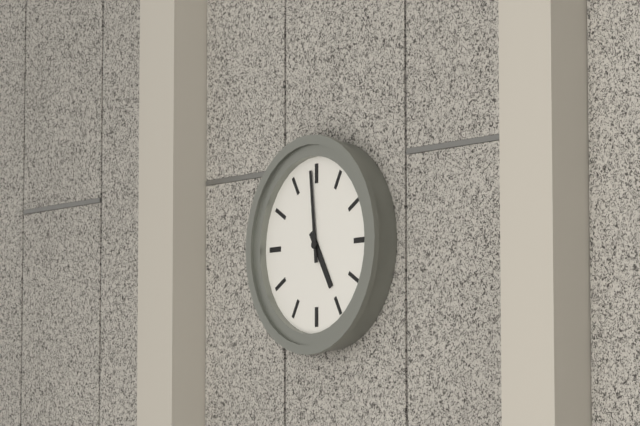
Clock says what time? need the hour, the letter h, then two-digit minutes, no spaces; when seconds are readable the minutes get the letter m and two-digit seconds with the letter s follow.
4h59
